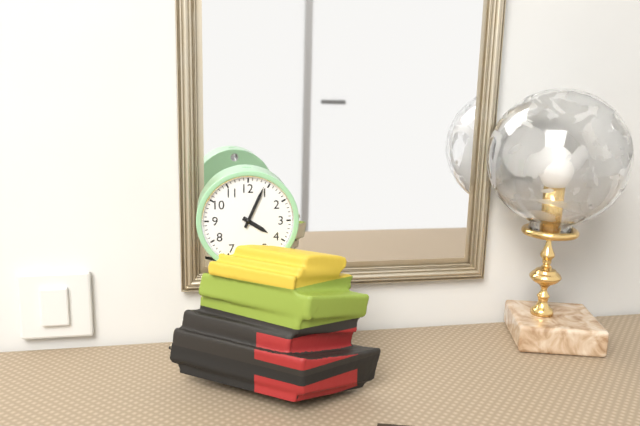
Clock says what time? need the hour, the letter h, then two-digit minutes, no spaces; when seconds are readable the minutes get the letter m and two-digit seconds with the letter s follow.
4h04
